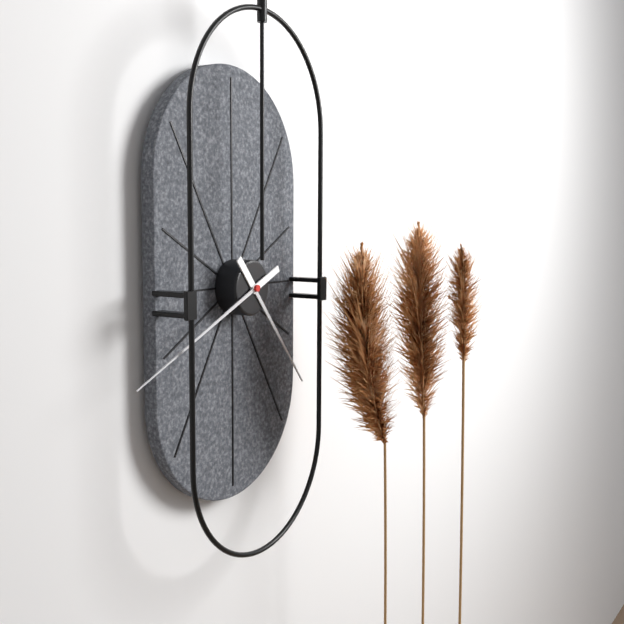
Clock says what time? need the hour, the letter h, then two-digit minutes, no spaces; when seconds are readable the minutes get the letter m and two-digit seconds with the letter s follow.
4h41
